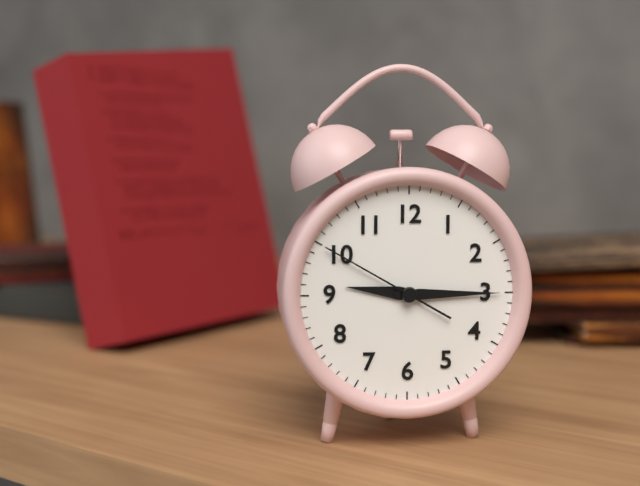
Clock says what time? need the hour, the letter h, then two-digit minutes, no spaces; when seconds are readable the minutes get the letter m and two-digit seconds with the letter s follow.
9h15m50s
